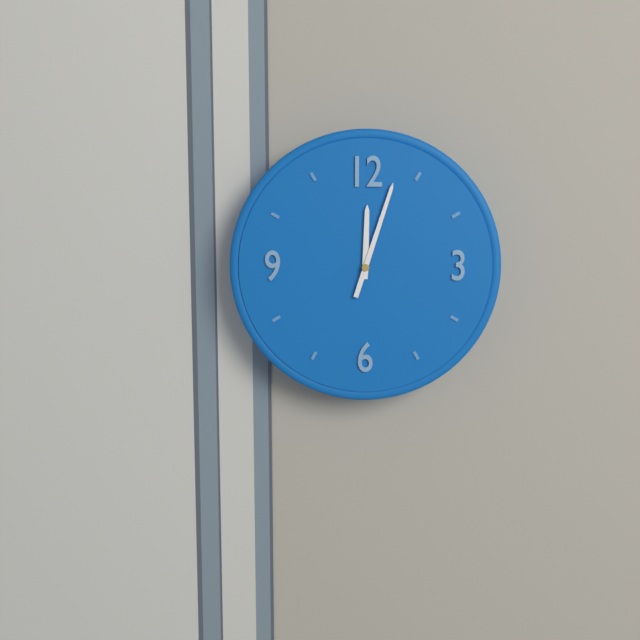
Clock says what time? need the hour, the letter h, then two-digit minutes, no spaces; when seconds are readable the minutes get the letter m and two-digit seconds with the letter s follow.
12h03
